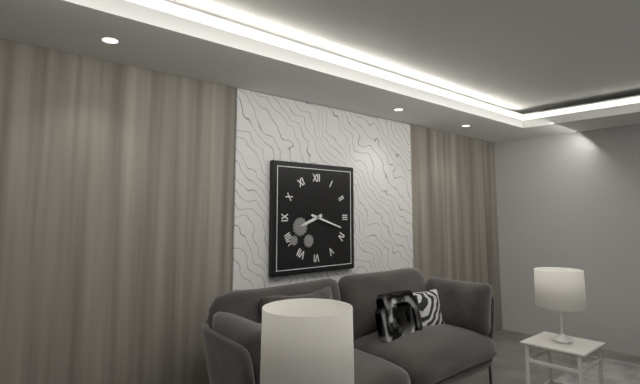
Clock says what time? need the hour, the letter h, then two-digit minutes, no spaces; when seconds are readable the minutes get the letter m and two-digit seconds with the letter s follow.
8h18
